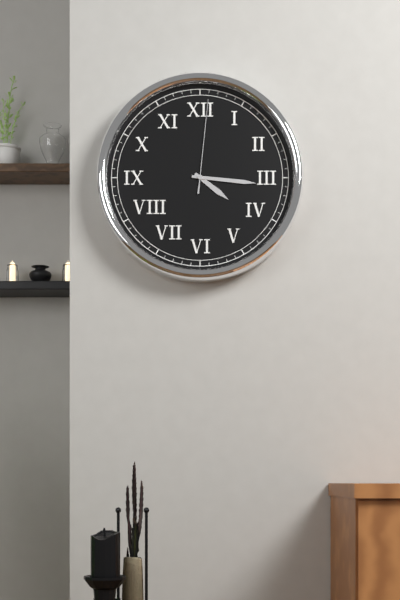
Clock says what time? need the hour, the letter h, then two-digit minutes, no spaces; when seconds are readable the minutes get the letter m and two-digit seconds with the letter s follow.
4h16m01s
